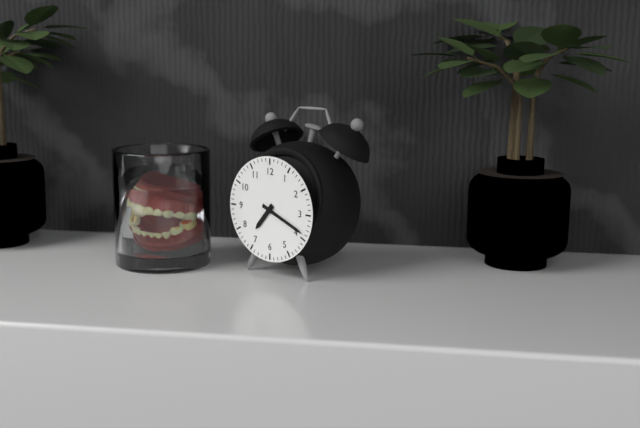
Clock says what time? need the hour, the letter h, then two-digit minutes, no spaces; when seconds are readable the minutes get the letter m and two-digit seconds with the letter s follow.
7h19
